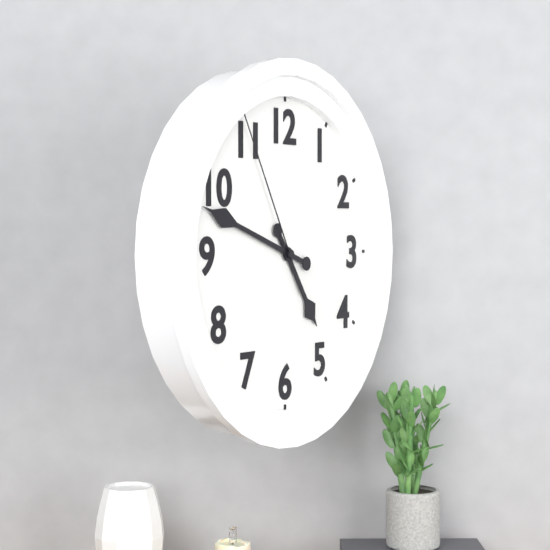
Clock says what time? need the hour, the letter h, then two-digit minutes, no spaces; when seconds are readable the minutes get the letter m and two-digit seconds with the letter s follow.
4h48m55s
